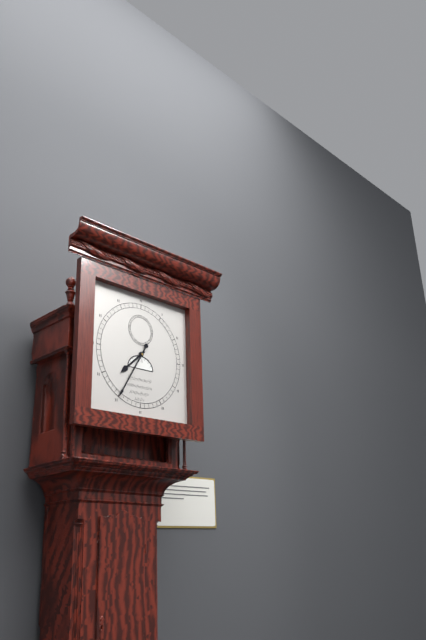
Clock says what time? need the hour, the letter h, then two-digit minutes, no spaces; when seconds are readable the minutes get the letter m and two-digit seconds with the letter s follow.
7h35
